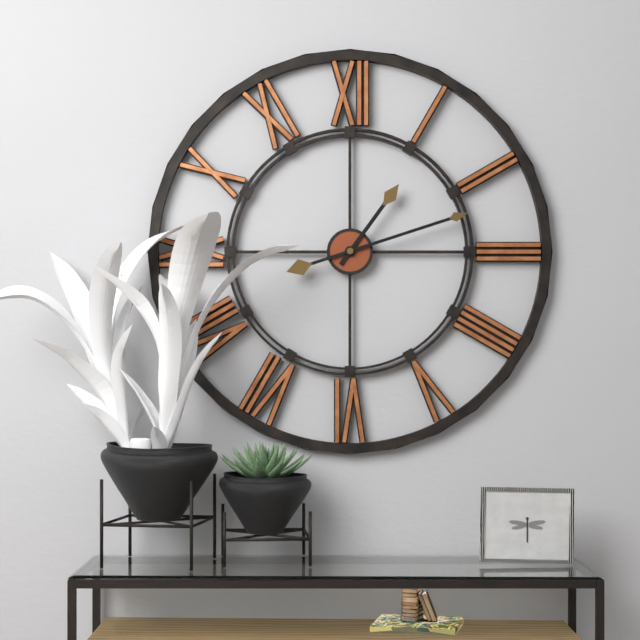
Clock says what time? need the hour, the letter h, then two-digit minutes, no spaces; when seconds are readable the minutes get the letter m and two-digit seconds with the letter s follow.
1h12
